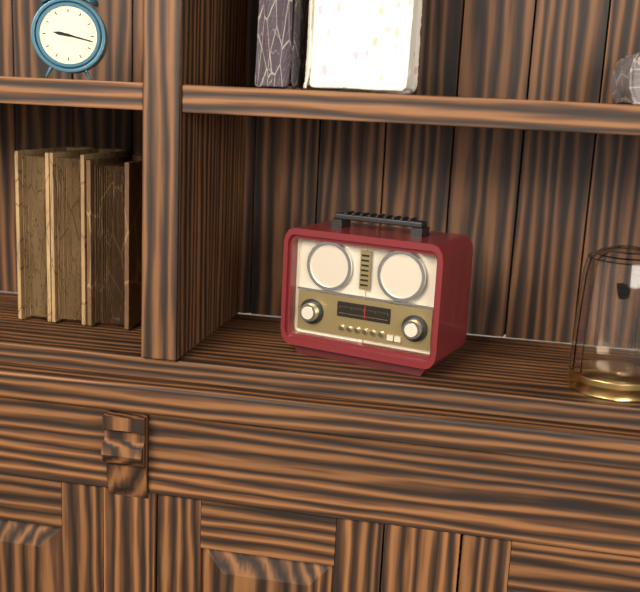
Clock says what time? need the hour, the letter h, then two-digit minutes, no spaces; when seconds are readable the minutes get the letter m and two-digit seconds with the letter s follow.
9h17
